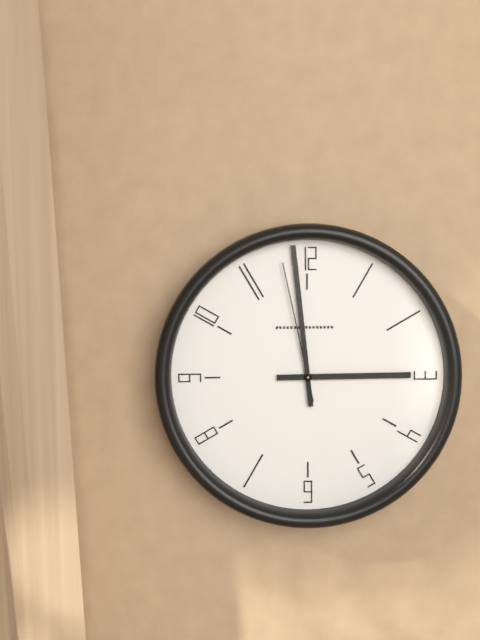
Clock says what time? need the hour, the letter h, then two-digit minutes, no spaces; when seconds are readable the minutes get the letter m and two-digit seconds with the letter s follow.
2h59m58s
